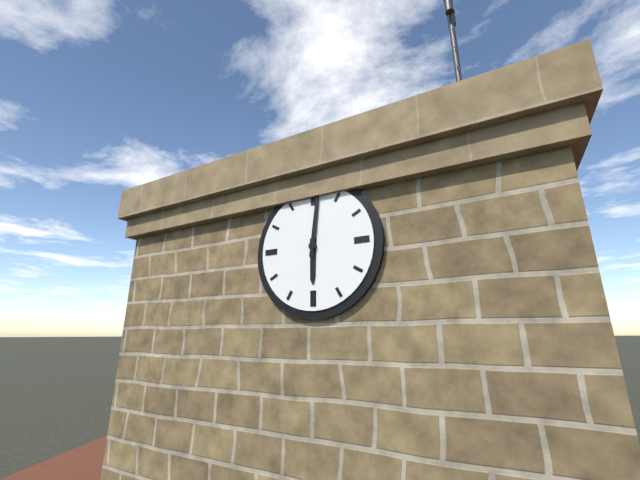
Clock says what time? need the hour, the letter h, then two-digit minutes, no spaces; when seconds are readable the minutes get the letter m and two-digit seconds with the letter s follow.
6h01
